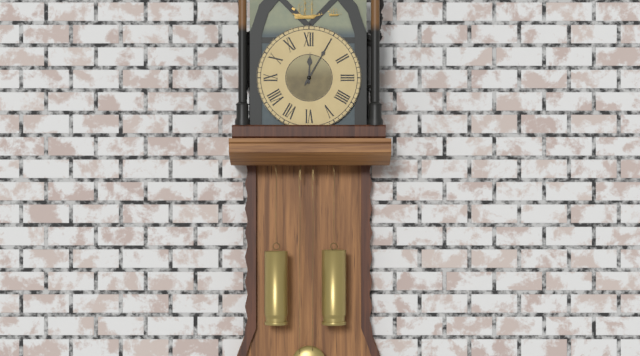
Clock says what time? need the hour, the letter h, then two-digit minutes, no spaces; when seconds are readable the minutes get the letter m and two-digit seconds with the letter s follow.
12h05
